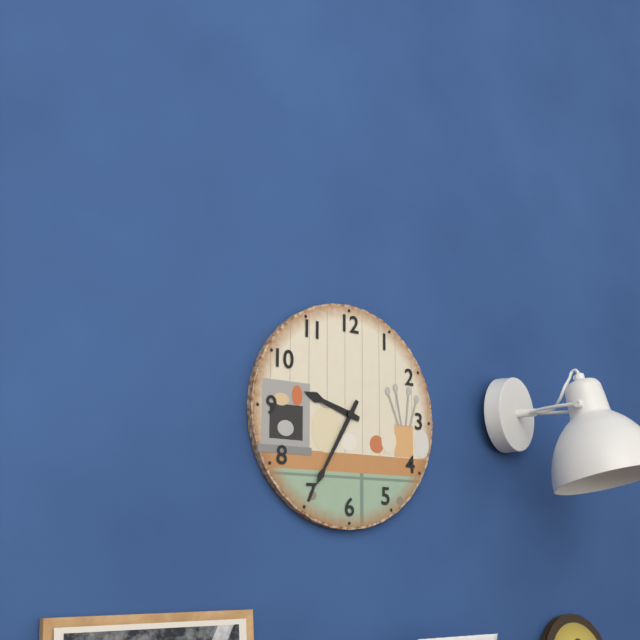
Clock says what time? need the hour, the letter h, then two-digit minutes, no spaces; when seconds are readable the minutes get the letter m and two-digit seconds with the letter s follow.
9h35
